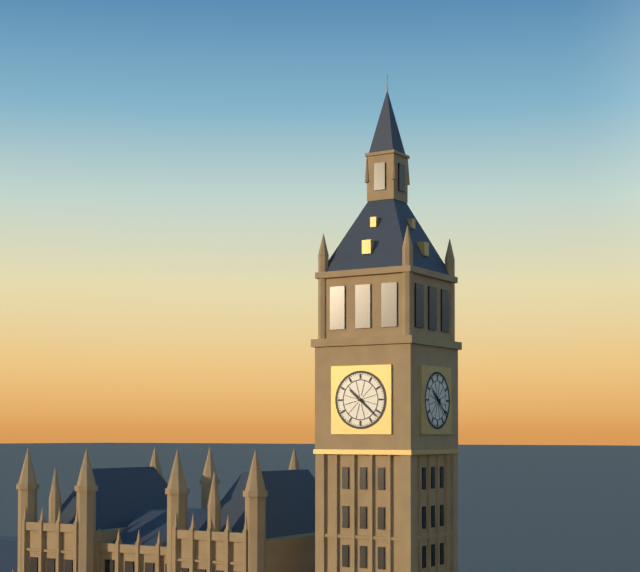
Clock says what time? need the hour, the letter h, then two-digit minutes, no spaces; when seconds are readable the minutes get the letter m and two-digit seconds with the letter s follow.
10h22
